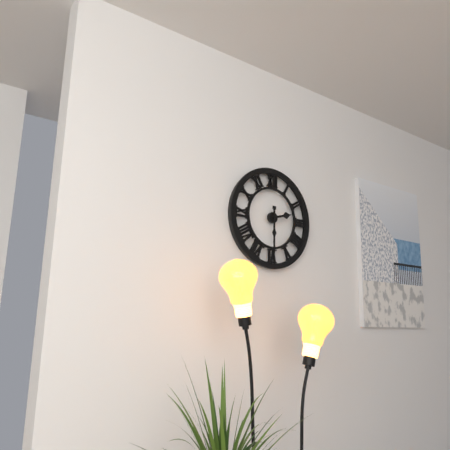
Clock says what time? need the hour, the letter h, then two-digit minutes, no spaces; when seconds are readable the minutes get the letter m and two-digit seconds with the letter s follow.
2h30
